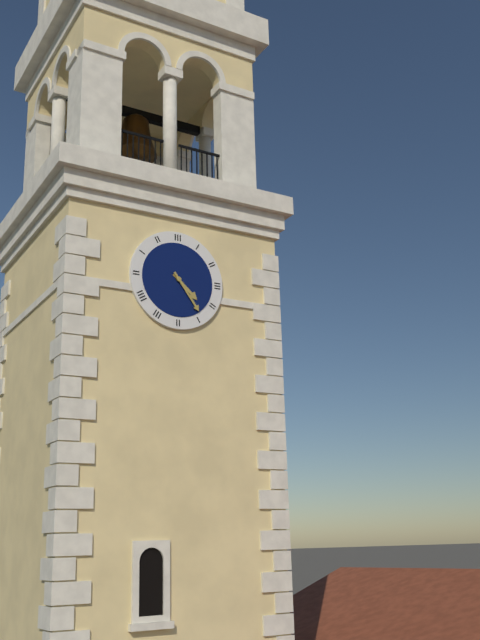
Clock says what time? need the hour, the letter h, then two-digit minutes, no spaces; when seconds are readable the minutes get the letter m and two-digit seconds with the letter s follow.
4h24
